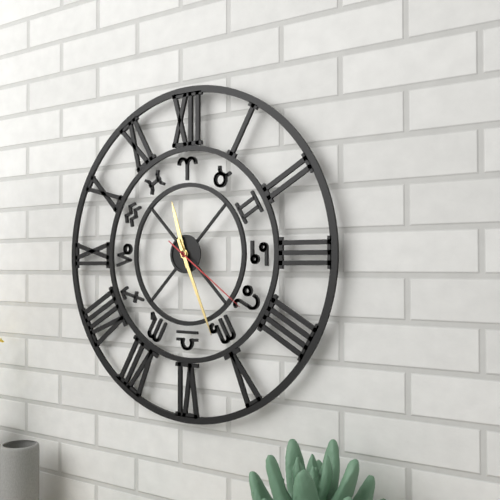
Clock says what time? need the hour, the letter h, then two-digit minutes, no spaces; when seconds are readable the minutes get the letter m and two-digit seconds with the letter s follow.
11h26m21s
